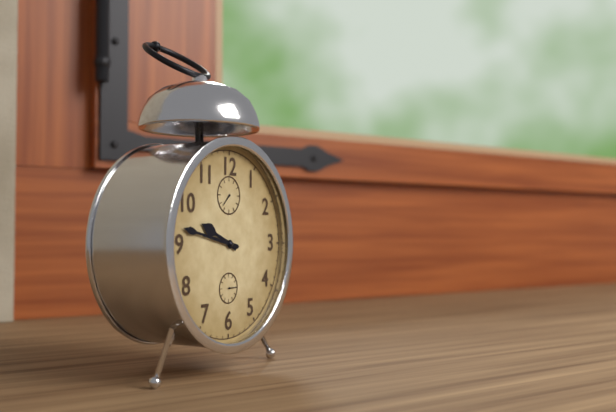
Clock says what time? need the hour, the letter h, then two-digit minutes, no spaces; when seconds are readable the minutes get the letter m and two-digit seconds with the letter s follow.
9h47
